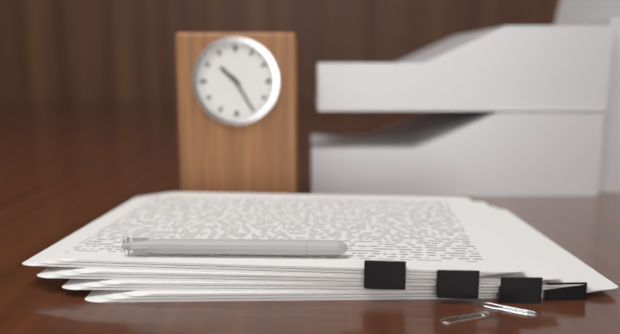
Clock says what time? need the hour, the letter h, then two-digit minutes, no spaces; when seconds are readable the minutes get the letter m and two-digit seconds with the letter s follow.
10h25
